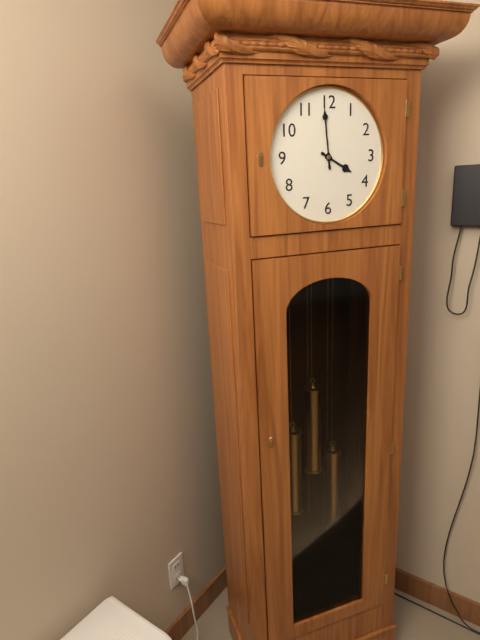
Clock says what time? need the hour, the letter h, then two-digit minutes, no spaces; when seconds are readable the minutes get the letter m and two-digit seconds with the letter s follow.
3h59
